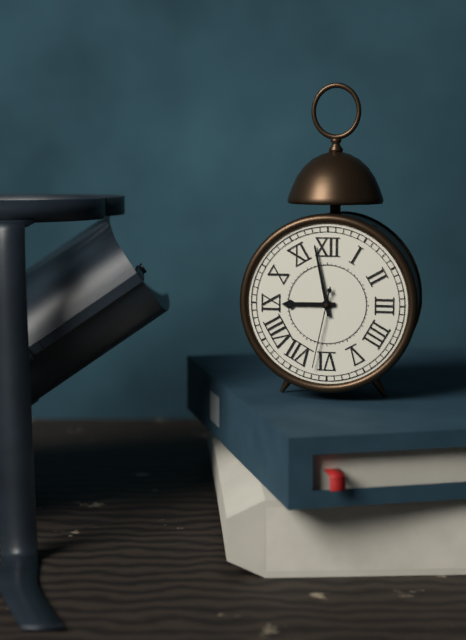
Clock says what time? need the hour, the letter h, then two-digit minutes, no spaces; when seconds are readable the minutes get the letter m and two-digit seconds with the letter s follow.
8h58m32s
